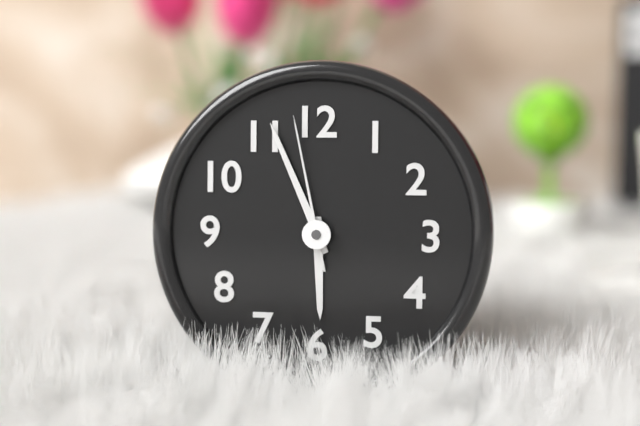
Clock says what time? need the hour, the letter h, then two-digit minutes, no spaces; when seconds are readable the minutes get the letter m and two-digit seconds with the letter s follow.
5h56m58s
